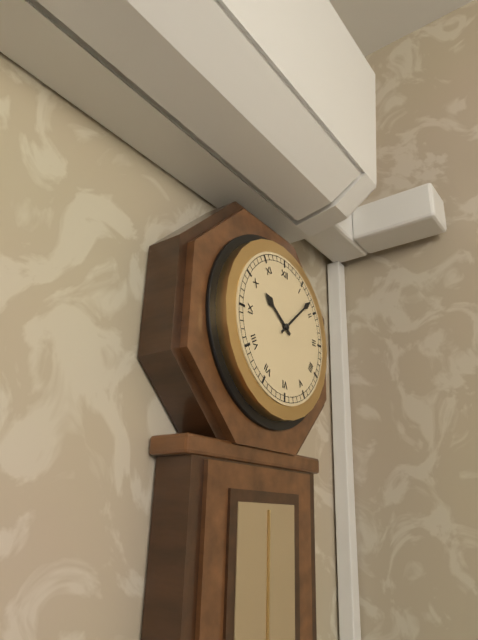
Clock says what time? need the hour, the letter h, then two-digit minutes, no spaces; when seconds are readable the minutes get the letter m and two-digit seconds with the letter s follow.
10h08
